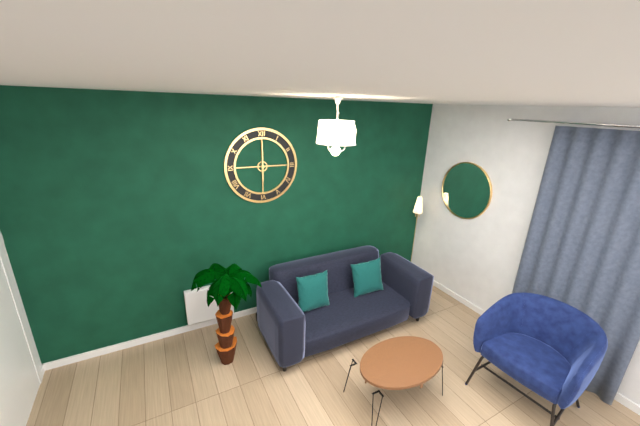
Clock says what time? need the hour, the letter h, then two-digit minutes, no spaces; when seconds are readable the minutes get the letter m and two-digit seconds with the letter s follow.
6h00
